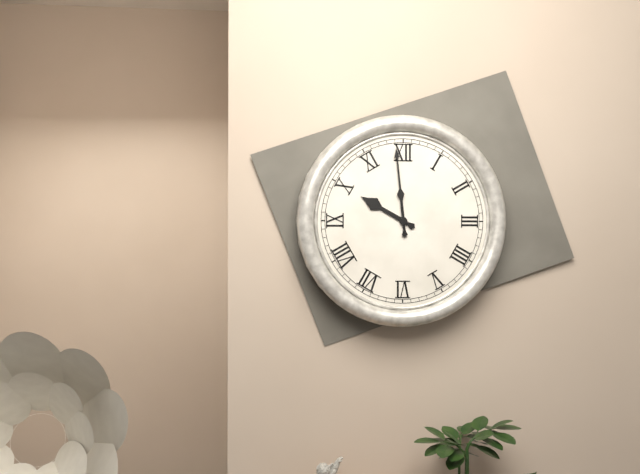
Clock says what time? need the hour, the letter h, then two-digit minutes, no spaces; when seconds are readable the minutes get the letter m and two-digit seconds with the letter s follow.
9h59
